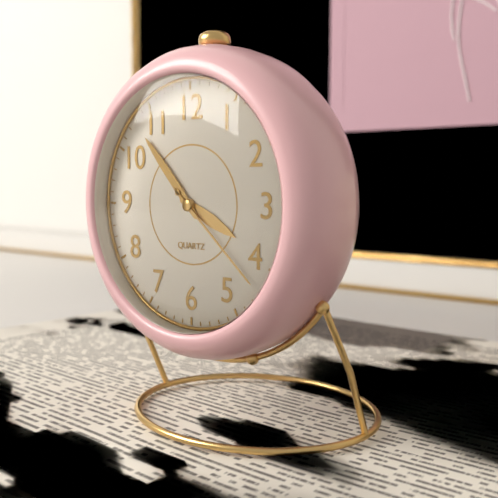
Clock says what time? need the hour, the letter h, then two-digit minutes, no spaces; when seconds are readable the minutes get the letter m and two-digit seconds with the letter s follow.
3h53m22s
